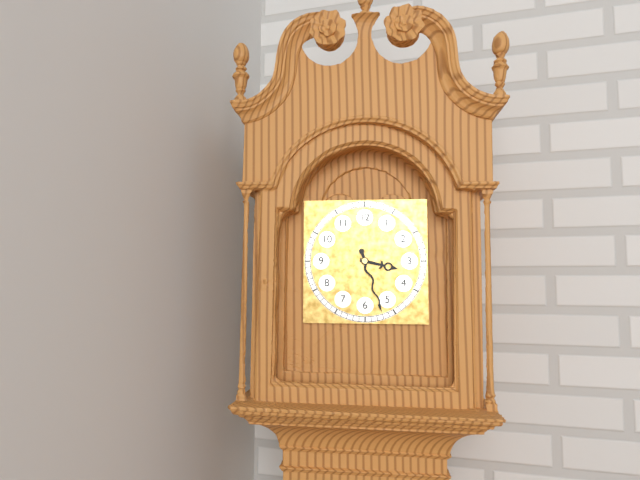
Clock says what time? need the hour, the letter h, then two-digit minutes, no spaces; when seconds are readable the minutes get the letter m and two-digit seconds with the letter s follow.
3h27
